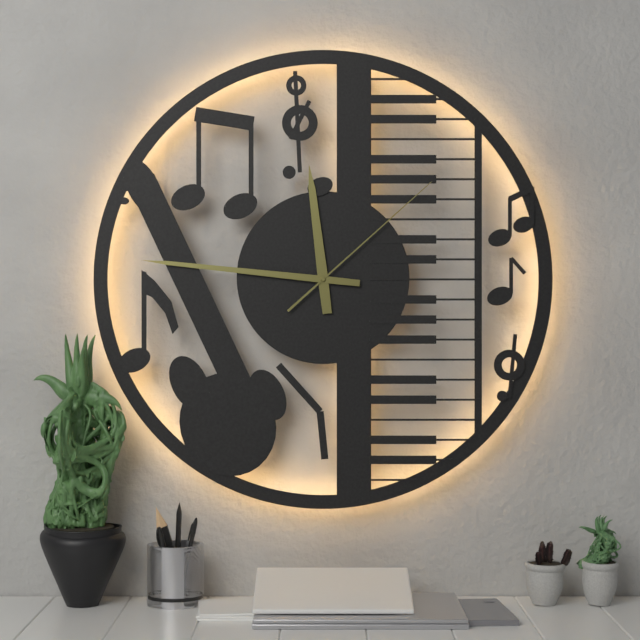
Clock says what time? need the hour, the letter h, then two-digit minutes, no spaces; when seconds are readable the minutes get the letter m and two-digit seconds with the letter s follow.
11h46m08s
